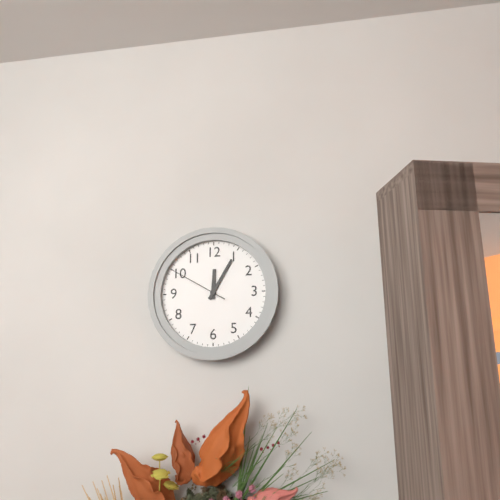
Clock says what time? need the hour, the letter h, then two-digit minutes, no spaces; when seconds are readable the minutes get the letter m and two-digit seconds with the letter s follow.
12h05m50s
